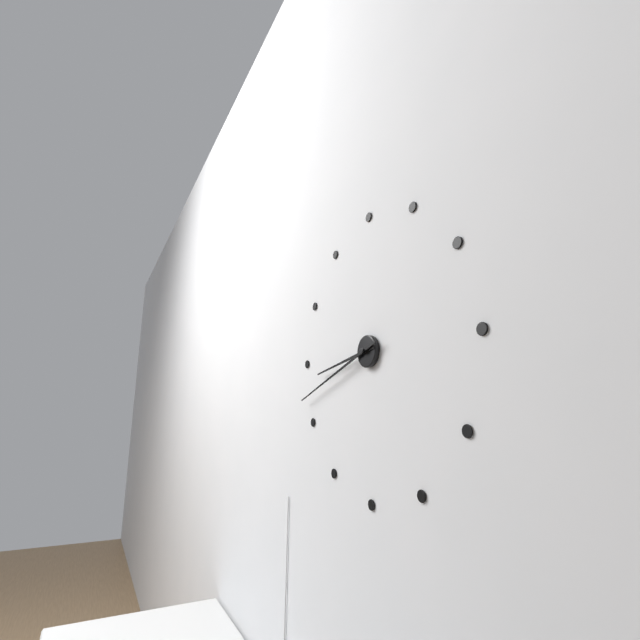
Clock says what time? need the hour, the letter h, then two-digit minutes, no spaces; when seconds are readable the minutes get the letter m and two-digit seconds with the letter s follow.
8h42
